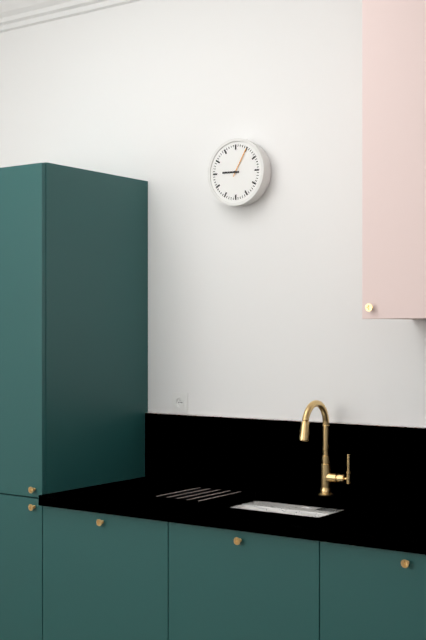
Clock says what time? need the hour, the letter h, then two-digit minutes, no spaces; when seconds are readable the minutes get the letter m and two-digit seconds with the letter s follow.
9h05
